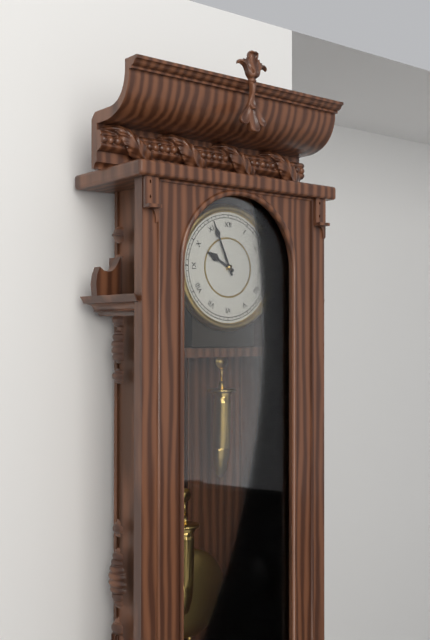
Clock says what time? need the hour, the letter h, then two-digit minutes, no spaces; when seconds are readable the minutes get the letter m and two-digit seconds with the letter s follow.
9h56
